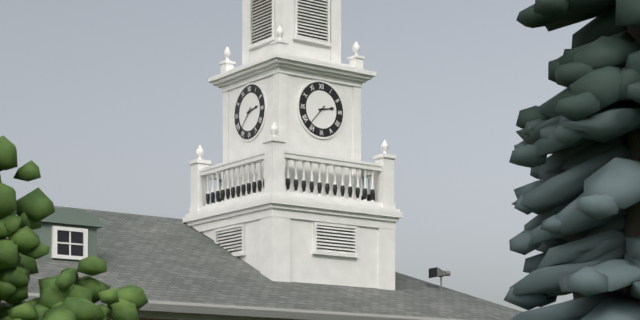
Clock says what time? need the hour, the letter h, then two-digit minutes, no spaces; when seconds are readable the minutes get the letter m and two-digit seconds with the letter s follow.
2h37
